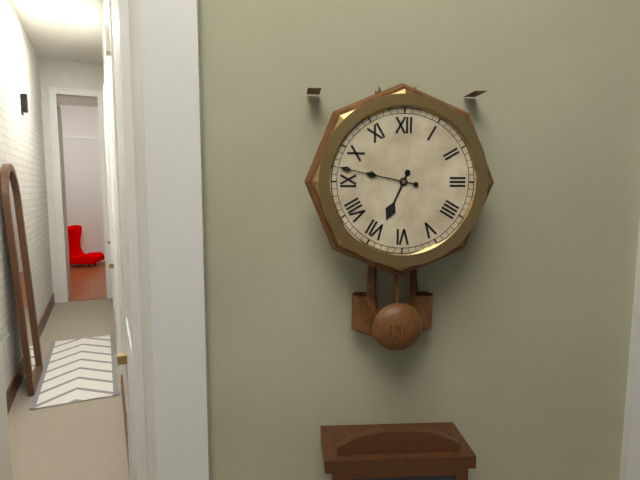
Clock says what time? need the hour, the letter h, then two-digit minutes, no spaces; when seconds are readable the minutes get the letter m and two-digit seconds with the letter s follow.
6h47
